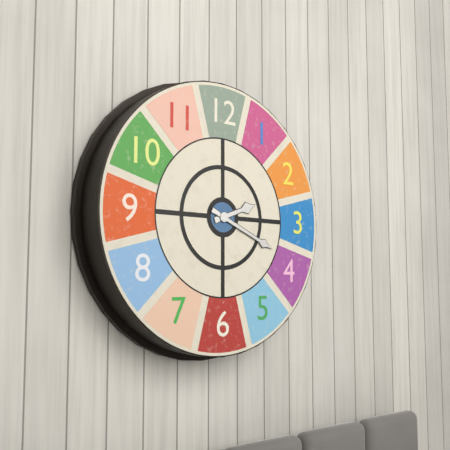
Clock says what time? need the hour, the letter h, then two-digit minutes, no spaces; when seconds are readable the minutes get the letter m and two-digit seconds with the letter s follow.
2h19
